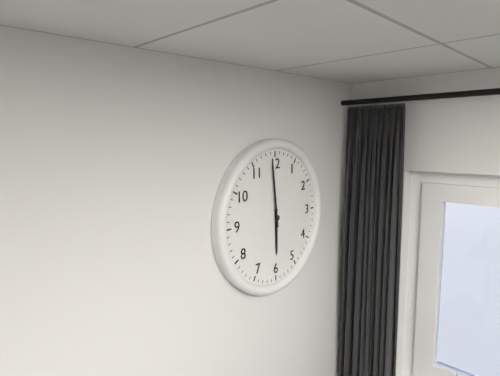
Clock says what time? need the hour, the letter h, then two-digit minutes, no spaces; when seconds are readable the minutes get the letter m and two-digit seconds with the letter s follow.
5h59
